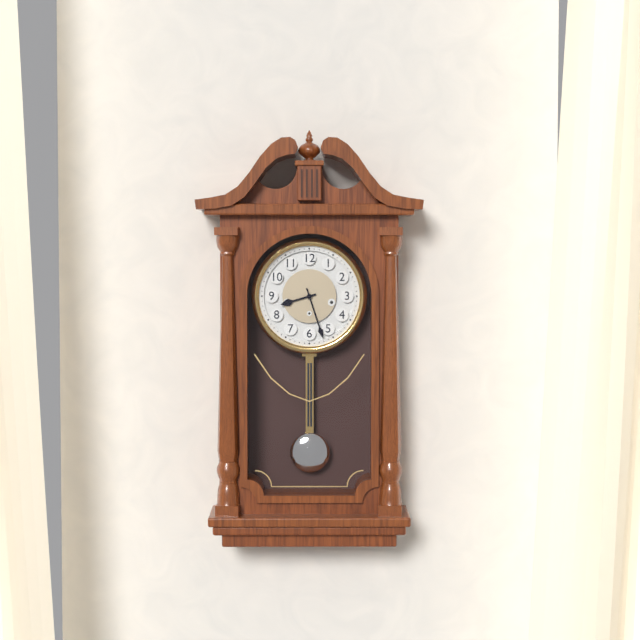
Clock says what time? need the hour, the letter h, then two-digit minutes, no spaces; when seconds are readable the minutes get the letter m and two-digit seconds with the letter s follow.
8h27
